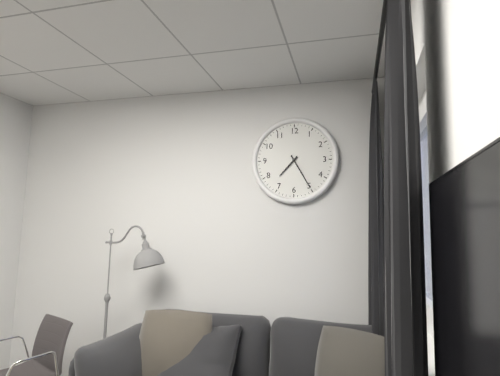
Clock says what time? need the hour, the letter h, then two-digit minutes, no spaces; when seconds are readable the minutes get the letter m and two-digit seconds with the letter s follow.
7h25
